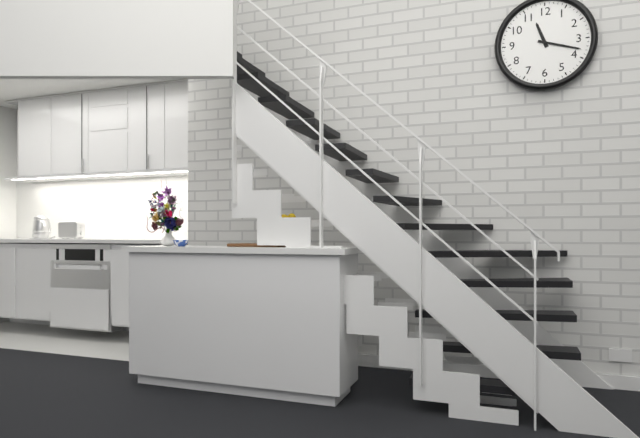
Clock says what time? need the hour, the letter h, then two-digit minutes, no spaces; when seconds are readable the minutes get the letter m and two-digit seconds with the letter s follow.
11h18
